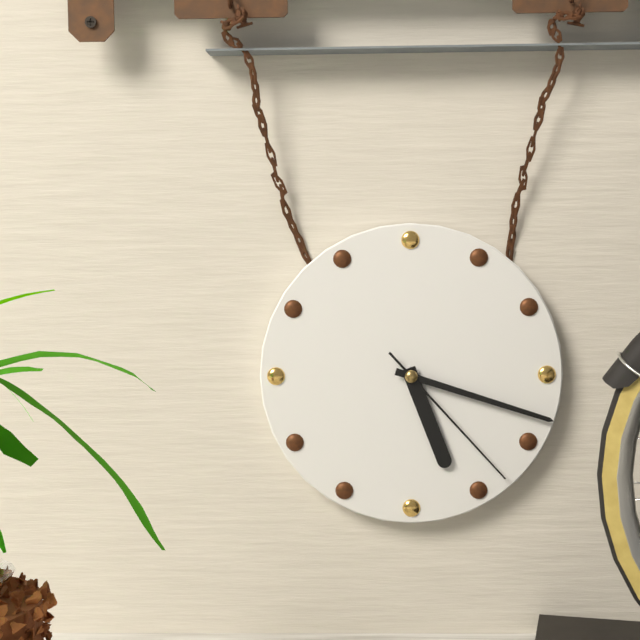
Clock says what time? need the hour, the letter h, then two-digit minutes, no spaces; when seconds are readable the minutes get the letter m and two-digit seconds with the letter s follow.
5h18m23s
